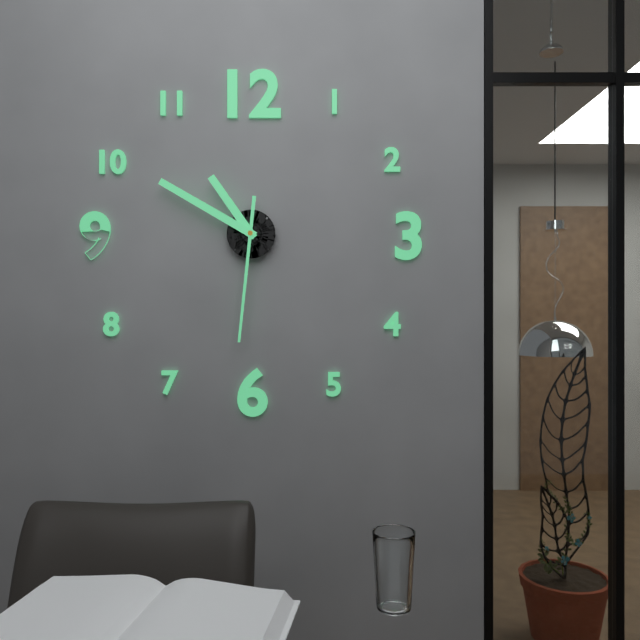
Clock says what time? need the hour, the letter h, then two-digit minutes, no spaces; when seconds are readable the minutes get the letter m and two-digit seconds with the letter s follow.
10h50m31s
